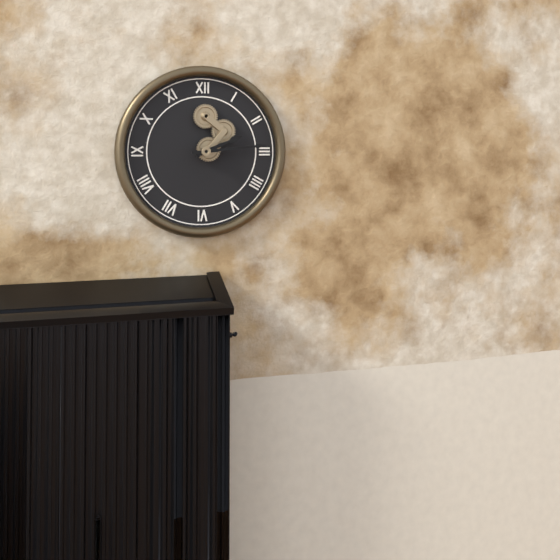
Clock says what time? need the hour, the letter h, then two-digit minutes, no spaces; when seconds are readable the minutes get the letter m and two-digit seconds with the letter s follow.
2h14
